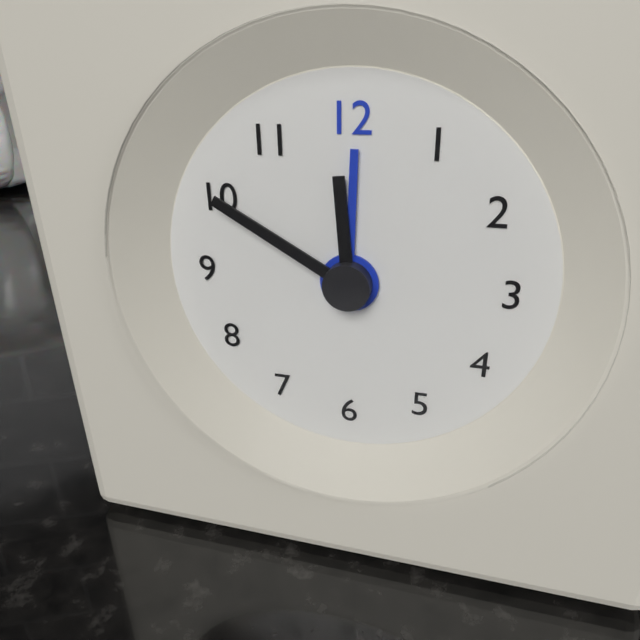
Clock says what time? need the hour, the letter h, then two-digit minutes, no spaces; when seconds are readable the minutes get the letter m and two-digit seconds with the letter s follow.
11h50
